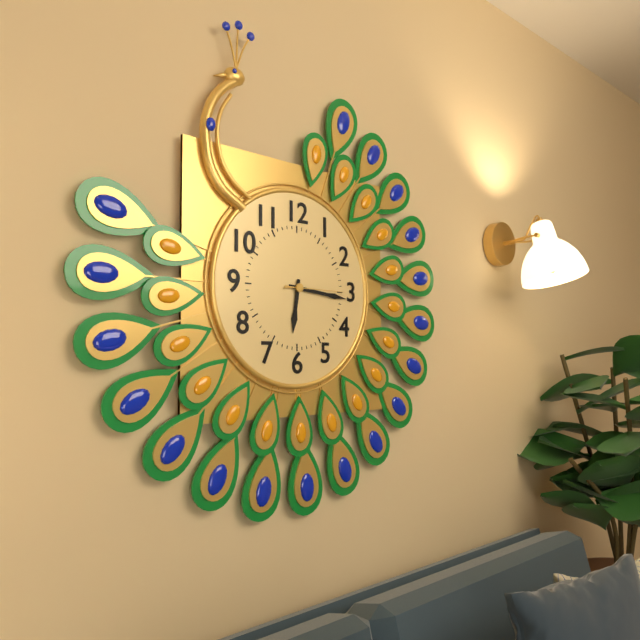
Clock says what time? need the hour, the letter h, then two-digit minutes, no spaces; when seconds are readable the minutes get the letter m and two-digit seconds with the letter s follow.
6h16m15s
